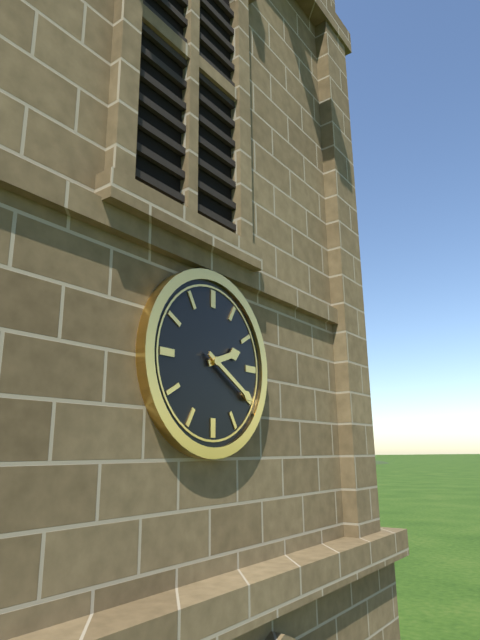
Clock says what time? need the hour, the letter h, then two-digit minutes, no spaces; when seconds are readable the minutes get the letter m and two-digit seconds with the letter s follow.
2h20
